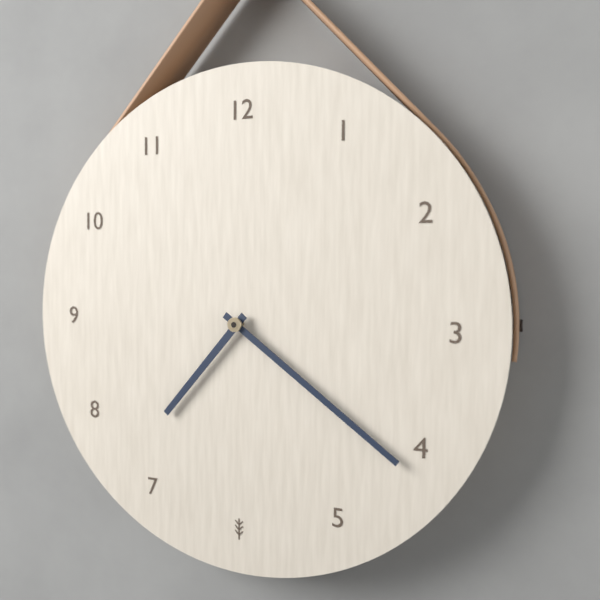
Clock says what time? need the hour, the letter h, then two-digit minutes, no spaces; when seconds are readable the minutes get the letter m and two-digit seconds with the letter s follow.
7h21
